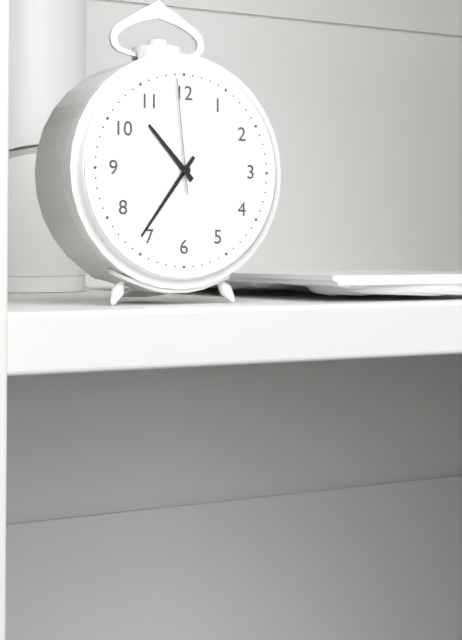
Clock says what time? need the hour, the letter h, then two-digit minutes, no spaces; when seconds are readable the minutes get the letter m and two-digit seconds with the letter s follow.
10h36m59s
